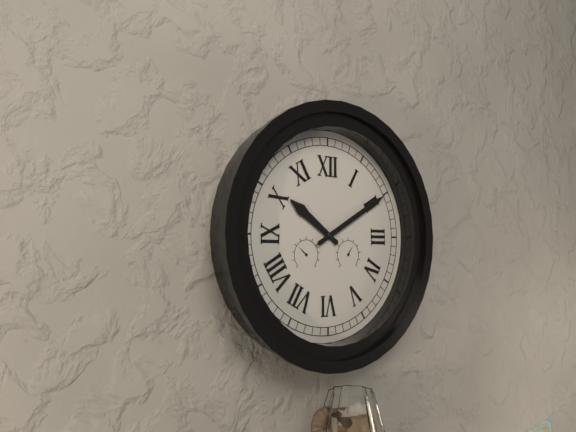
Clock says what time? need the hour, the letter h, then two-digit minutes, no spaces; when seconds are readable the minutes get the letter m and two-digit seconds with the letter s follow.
10h10
